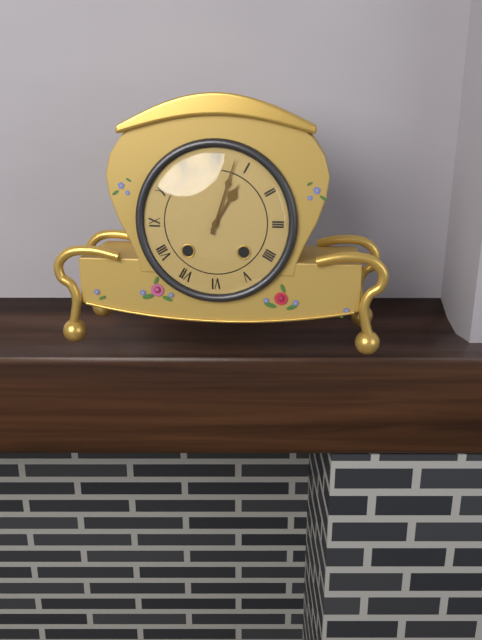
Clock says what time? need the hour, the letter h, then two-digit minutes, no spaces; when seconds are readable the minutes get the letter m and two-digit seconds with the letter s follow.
1h03
